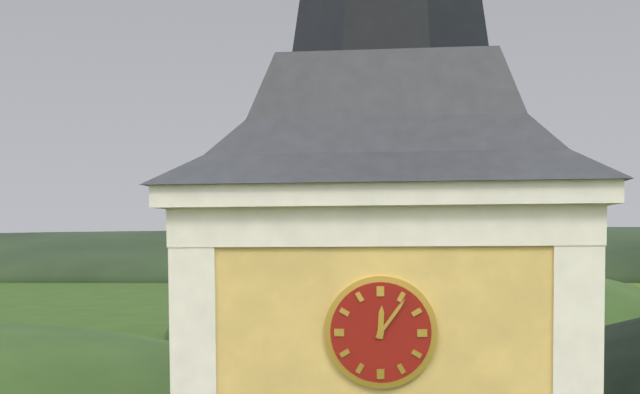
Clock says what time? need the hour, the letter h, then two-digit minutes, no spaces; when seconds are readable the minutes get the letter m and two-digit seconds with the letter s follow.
12h06
